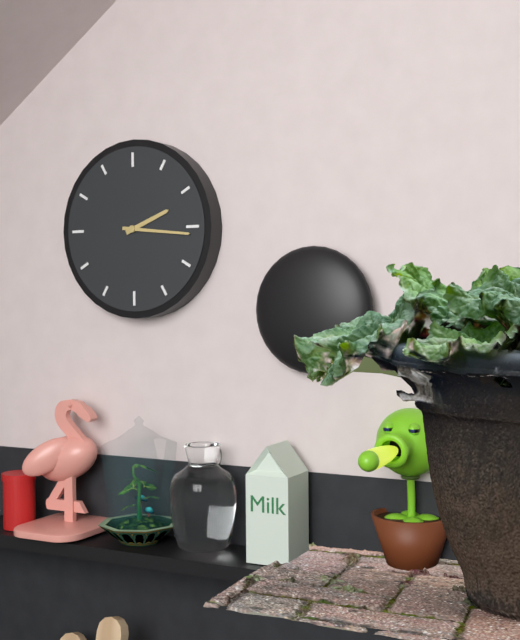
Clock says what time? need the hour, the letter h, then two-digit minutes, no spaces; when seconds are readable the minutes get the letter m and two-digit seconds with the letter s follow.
2h16
